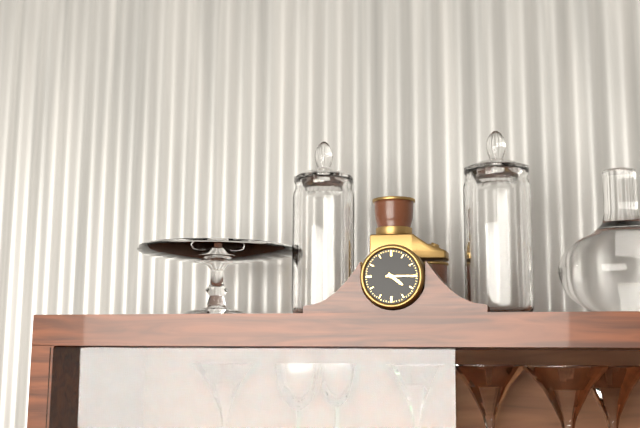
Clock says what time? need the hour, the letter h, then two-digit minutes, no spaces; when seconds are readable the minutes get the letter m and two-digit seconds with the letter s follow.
4h15
